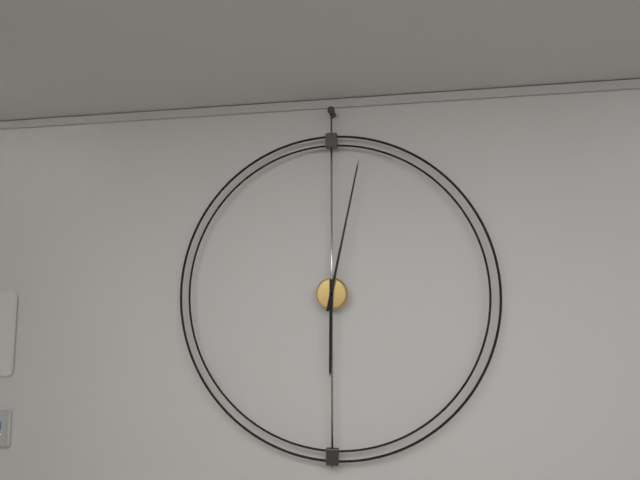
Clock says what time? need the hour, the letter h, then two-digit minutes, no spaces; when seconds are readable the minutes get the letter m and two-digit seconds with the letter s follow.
6h02
